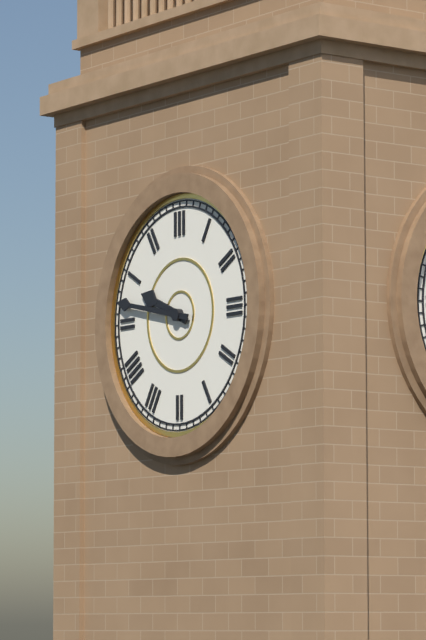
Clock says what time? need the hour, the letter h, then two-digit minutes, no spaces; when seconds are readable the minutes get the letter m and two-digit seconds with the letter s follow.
9h47
